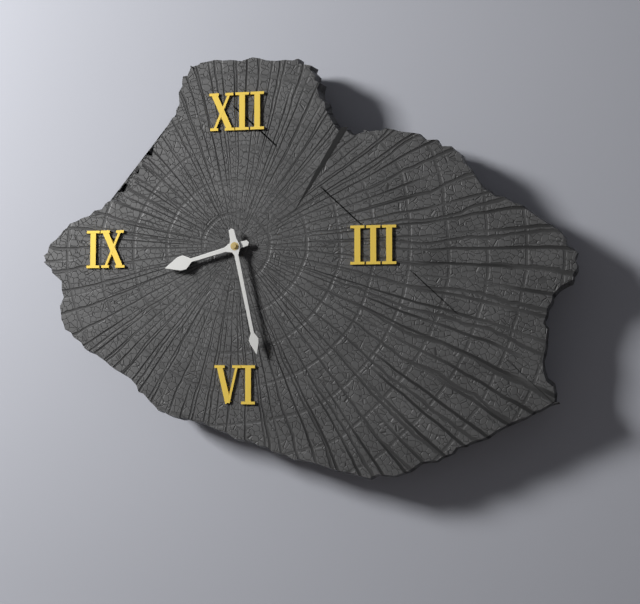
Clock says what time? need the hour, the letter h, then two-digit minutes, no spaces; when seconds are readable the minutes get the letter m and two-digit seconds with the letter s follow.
8h28
